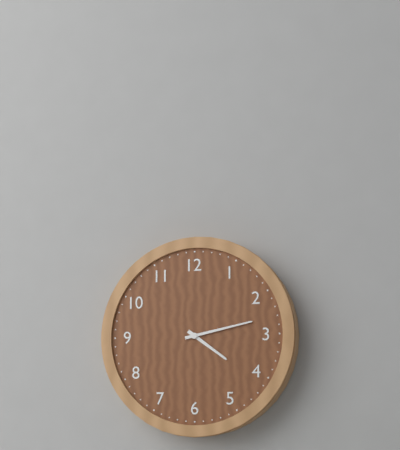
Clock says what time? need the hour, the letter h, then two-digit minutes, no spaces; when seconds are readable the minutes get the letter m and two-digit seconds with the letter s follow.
4h13
